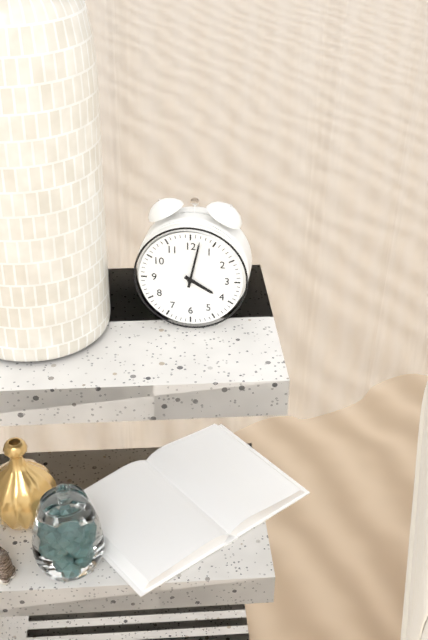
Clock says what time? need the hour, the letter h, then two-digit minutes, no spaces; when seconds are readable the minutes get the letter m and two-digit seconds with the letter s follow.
4h02
